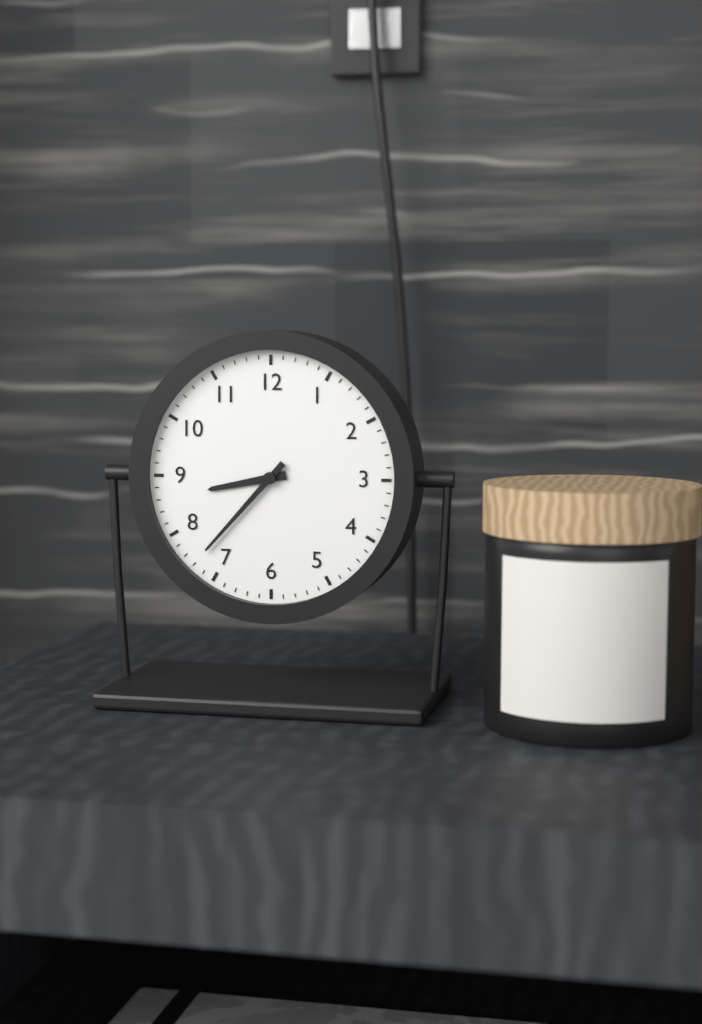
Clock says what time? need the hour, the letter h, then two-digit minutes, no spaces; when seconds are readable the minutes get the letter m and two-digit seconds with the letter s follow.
8h37
